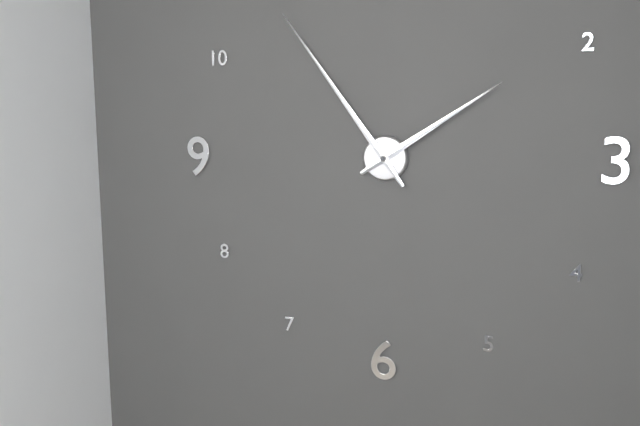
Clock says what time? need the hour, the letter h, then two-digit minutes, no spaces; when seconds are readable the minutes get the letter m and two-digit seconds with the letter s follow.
1h54
